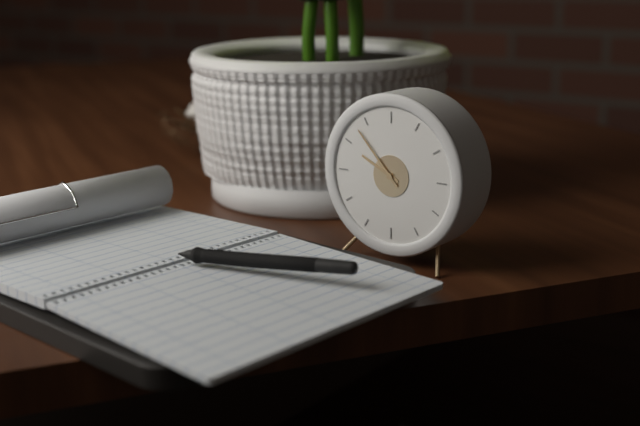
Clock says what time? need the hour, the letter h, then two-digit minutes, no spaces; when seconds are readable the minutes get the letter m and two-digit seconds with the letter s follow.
9h53
